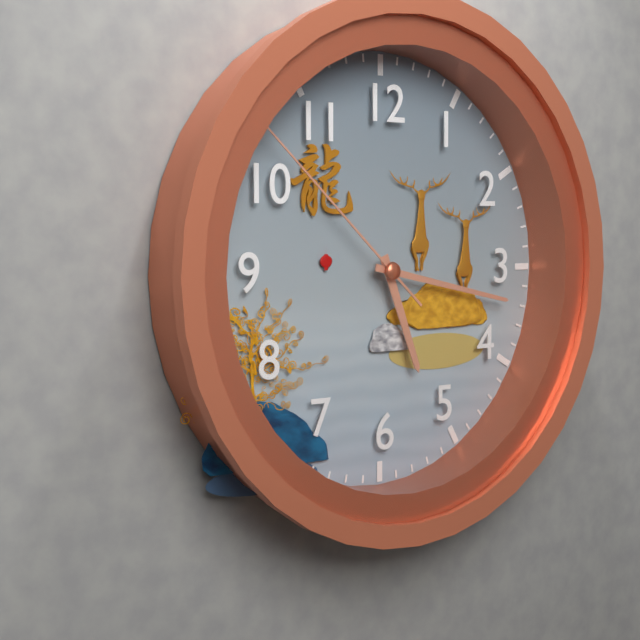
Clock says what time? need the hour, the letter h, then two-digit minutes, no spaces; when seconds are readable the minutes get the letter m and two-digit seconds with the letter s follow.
5h17m52s
